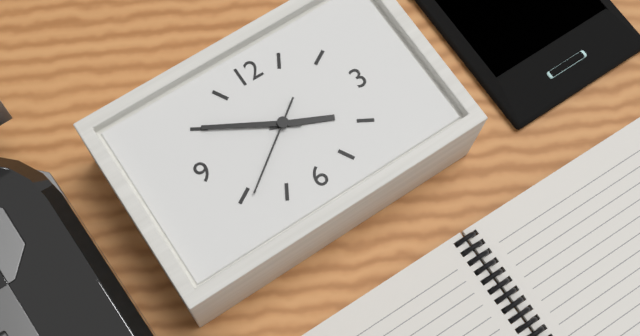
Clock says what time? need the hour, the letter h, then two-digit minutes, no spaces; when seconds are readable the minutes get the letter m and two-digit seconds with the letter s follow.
3h50m39s
